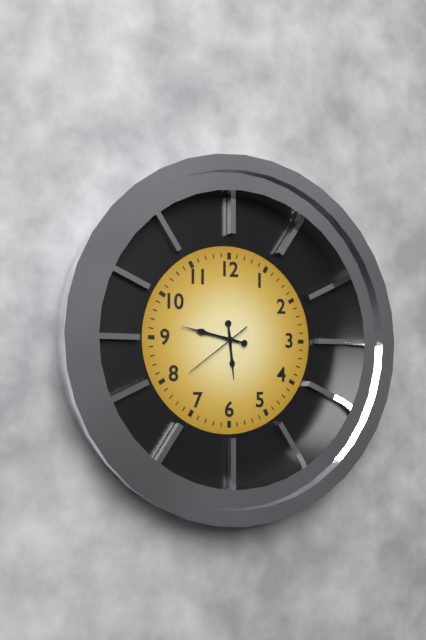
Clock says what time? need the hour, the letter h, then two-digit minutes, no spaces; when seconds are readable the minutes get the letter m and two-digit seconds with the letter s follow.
5h47m39s
